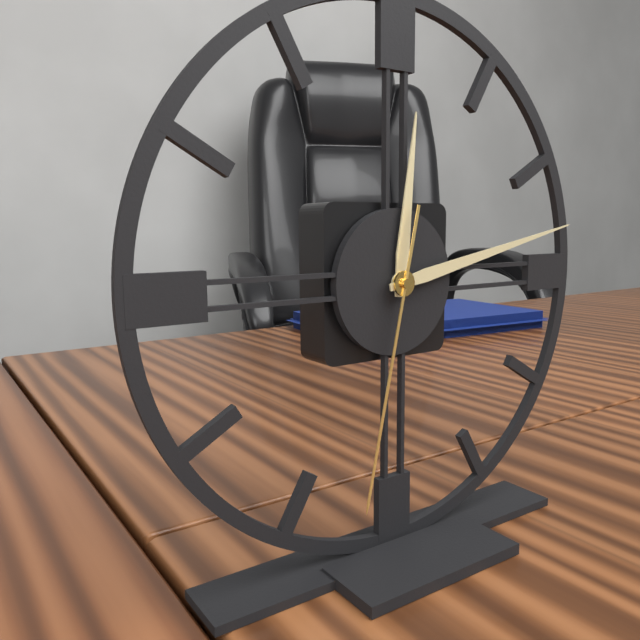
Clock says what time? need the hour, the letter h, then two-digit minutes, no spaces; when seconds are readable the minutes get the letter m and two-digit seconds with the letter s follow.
12h13m32s
